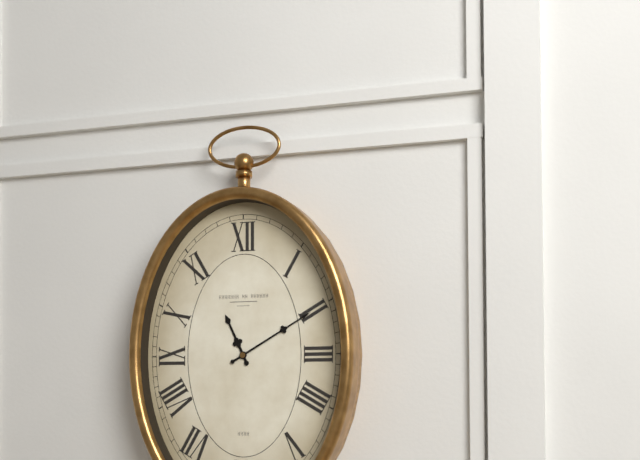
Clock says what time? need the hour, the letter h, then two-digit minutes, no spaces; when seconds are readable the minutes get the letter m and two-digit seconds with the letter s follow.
11h10
